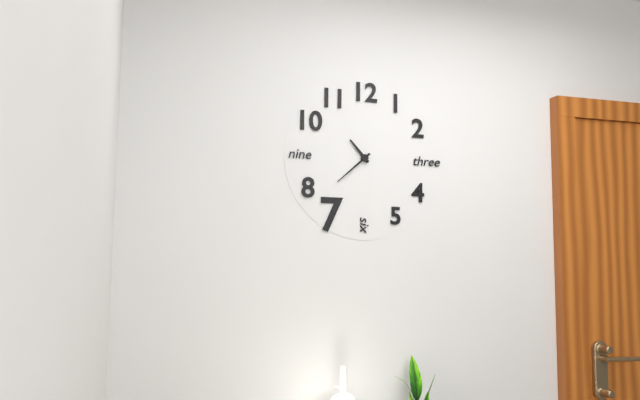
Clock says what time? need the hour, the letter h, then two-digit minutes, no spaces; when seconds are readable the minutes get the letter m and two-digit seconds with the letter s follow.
10h38
